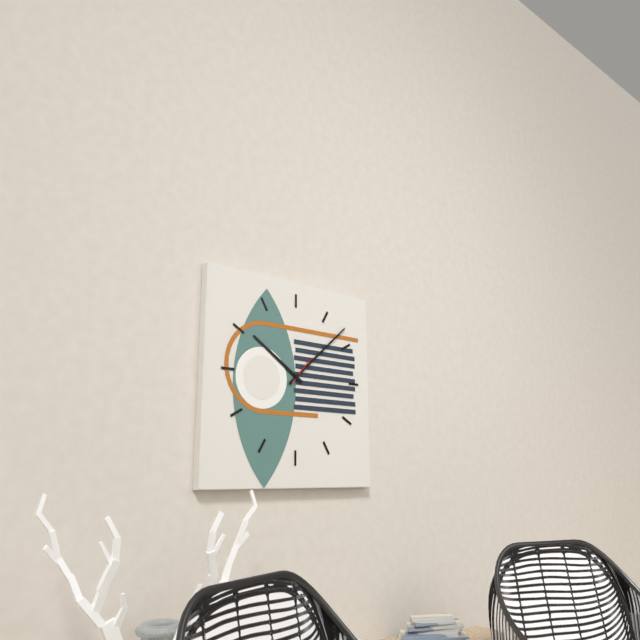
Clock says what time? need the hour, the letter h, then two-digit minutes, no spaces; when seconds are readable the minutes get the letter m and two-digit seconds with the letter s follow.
10h08
